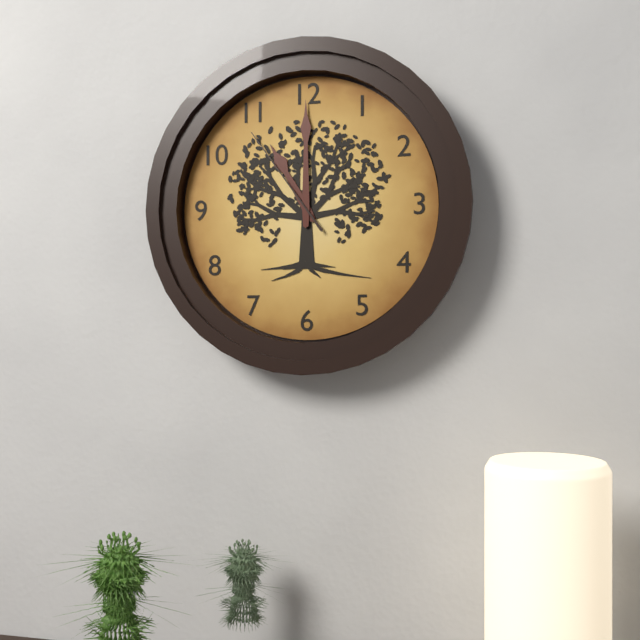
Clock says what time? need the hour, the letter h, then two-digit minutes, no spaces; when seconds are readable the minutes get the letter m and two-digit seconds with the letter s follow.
11h00m54s
